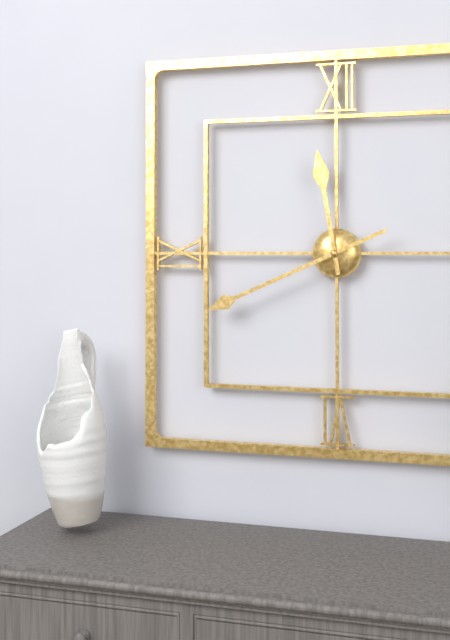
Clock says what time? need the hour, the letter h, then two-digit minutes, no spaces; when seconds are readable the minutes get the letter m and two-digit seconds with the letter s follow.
11h41
